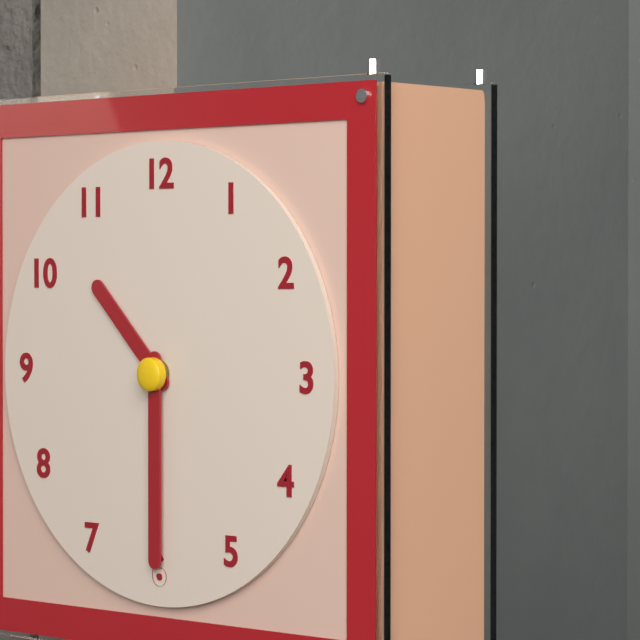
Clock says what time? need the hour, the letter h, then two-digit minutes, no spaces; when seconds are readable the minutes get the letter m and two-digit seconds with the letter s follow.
10h30
